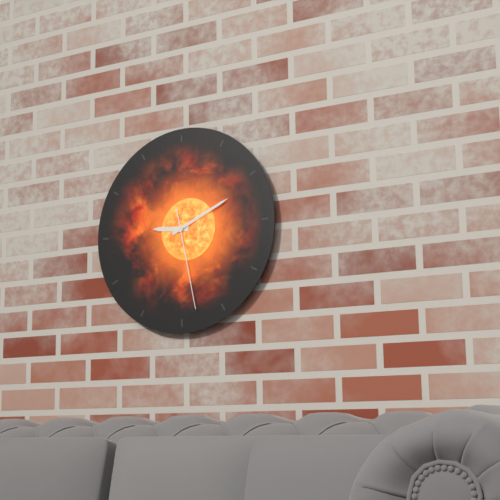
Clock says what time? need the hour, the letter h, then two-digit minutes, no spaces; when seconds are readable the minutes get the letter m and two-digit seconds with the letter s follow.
9h11m28s
